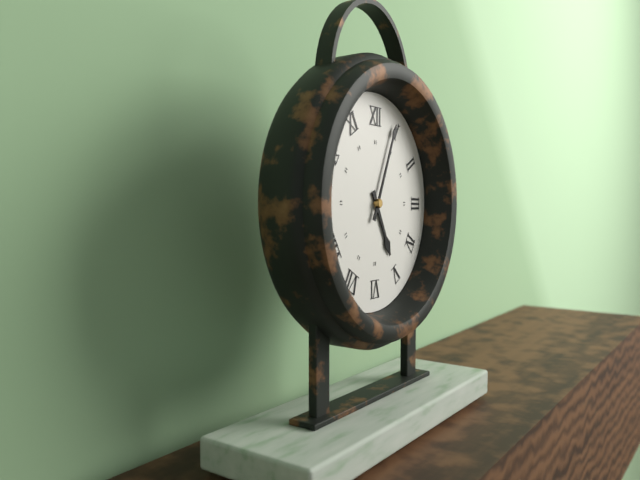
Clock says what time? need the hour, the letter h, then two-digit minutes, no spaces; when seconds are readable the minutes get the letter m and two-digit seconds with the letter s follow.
5h04
